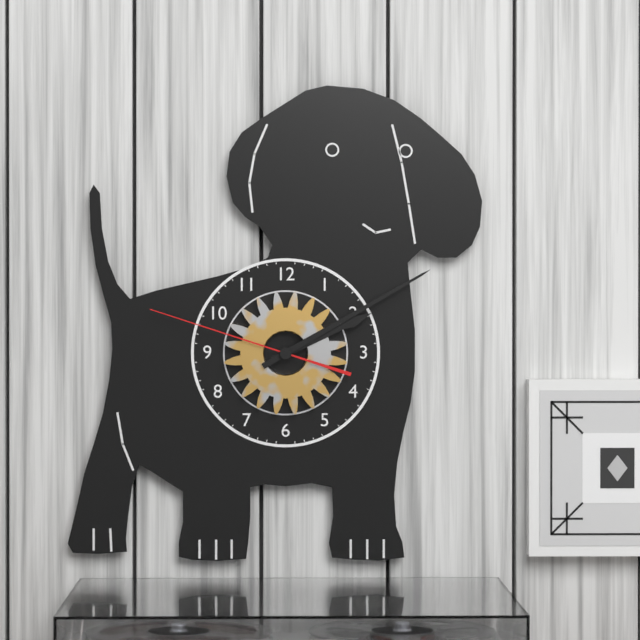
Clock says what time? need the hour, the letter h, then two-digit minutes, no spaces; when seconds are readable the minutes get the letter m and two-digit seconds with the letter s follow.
2h10m48s
